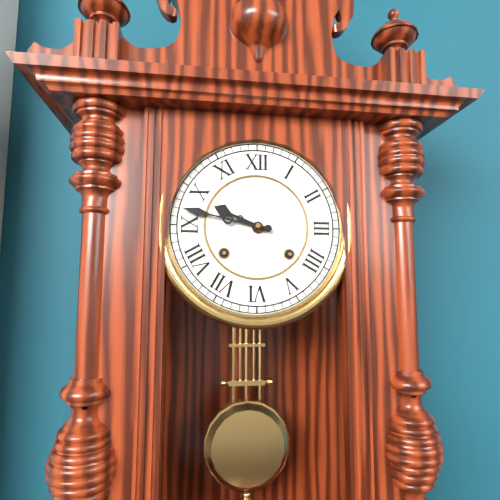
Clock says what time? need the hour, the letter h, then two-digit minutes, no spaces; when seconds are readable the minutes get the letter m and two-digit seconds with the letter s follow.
9h47
